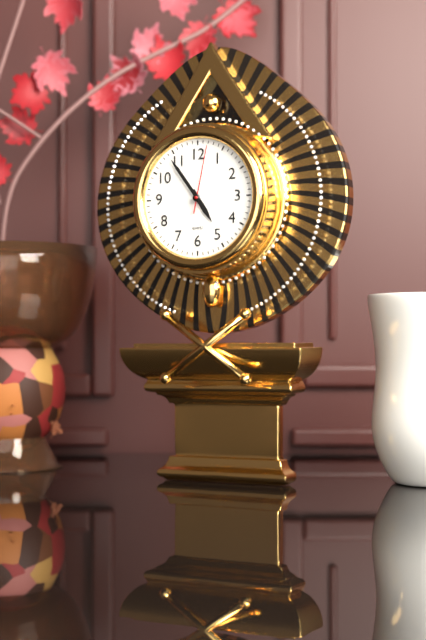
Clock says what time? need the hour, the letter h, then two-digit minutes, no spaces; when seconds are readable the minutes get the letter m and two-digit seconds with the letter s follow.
4h54m02s
